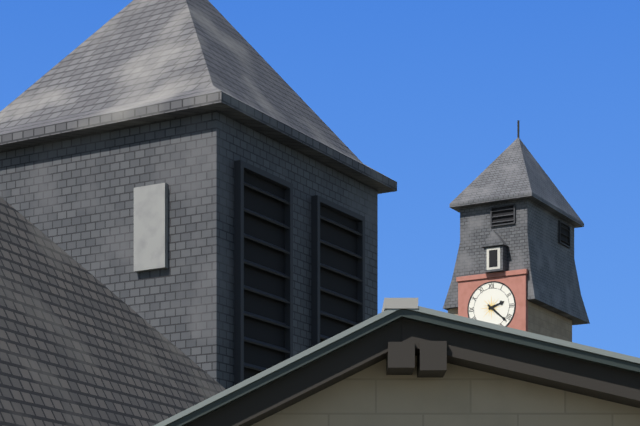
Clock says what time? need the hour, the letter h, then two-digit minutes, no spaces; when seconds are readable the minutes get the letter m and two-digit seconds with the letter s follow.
2h22
